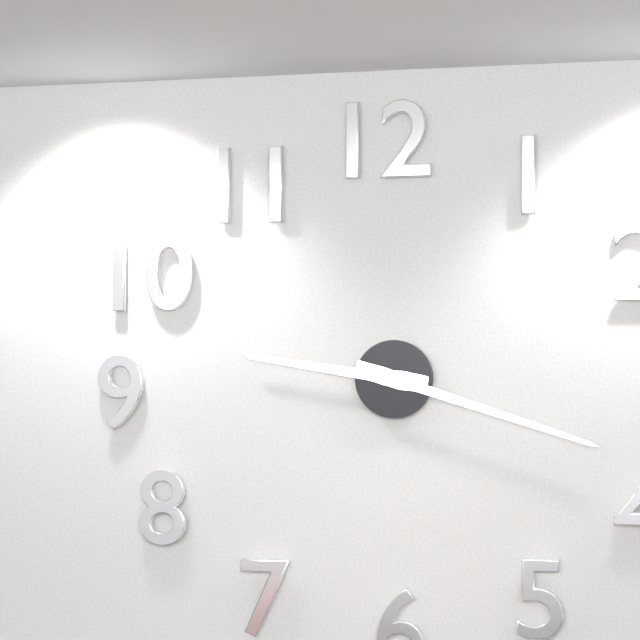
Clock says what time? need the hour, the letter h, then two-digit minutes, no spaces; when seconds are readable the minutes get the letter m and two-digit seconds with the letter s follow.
9h18
